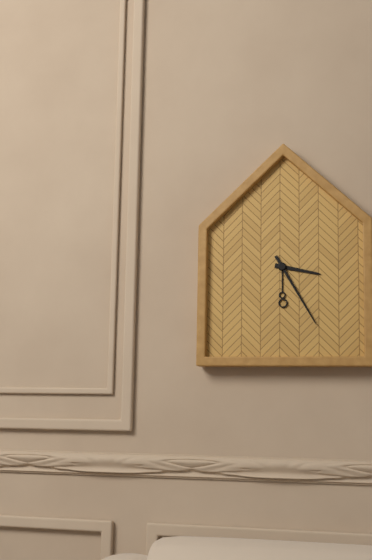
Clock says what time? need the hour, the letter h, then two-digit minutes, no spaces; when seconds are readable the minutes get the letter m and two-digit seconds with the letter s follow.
3h25
